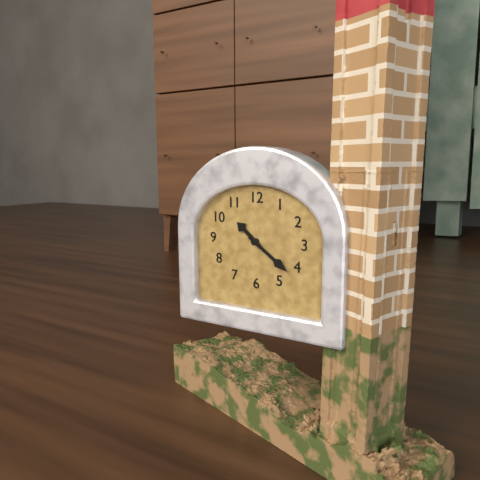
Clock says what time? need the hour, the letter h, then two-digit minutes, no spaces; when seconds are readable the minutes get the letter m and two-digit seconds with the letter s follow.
10h21
